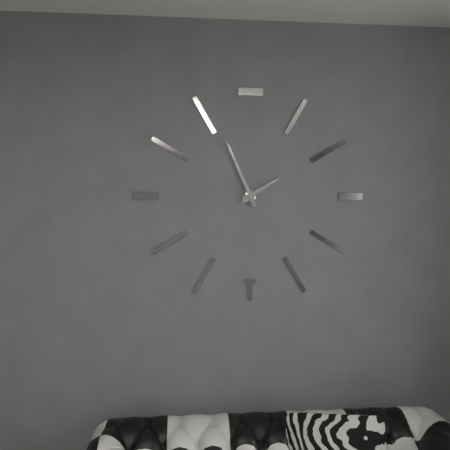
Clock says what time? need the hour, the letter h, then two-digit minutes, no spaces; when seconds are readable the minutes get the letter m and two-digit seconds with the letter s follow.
1h56
